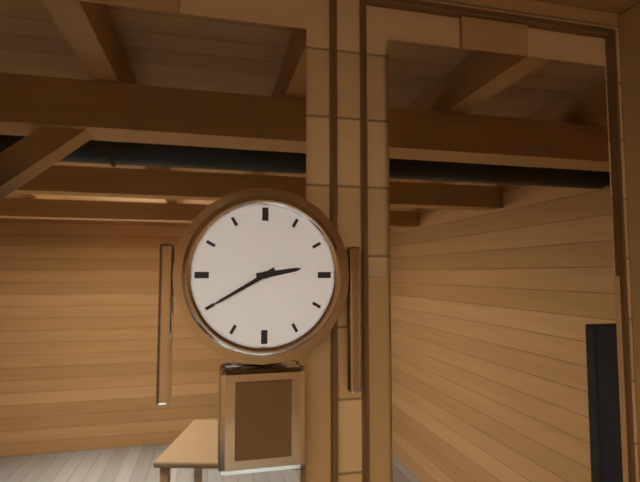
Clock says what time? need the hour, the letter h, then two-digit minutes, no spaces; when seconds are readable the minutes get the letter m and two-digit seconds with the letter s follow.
2h40
